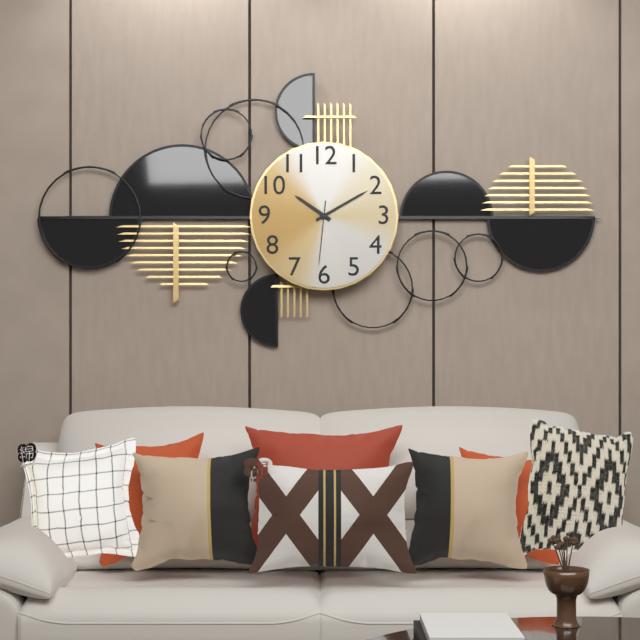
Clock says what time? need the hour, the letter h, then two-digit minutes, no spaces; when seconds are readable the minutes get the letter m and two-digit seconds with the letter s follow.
10h10m31s
